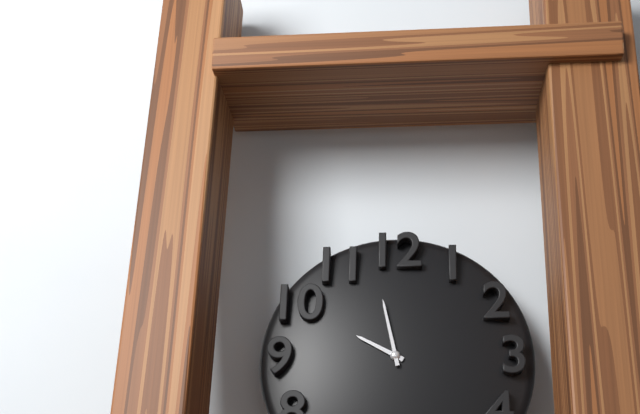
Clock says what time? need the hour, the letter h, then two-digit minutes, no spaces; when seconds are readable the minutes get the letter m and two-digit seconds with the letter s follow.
9h58
